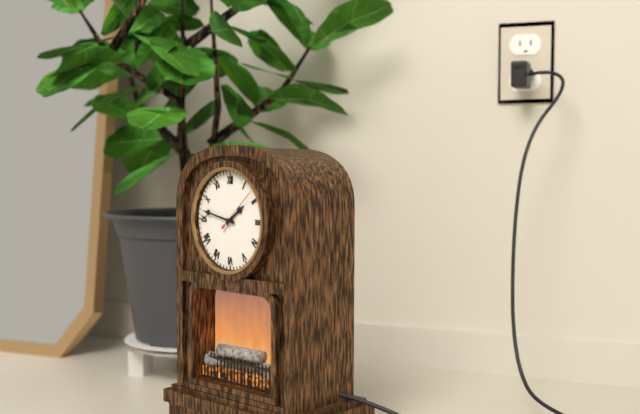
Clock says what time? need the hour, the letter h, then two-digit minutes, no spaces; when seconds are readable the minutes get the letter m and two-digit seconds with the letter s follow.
1h47
